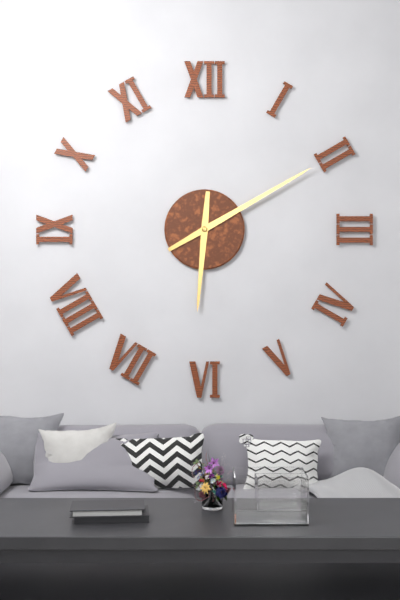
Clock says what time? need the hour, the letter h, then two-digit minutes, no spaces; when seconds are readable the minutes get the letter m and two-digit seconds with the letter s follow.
6h10
